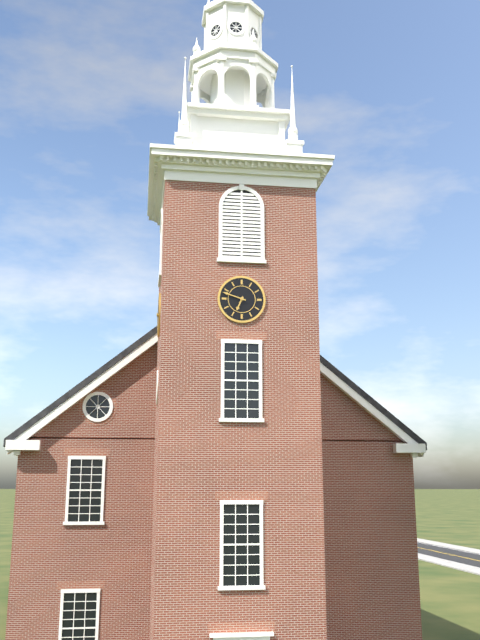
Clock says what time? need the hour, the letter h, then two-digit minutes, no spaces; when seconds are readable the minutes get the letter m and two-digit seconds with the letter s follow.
6h48
